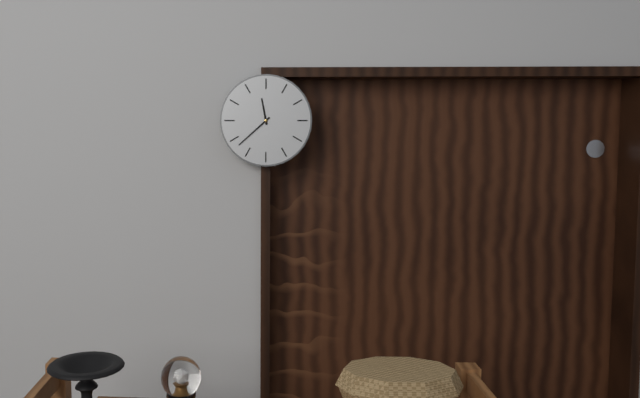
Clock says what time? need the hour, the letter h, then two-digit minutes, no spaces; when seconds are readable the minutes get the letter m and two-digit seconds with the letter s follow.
11h38
